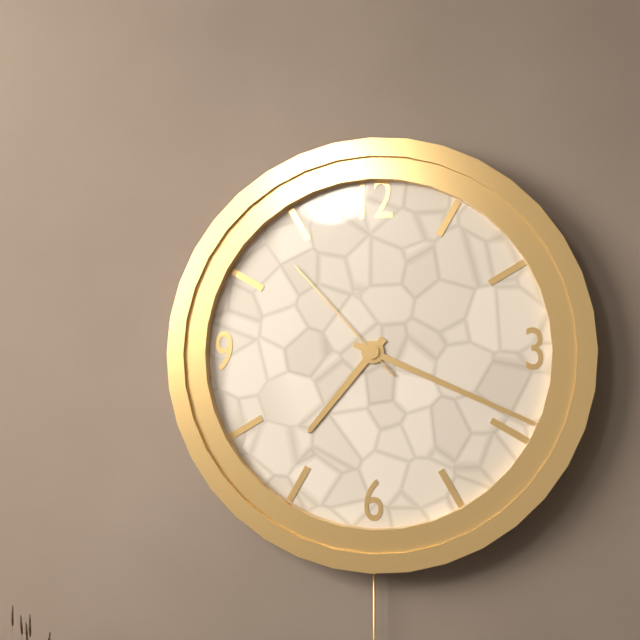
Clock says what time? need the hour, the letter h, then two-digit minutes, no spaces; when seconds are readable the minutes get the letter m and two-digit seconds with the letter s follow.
7h19m53s
